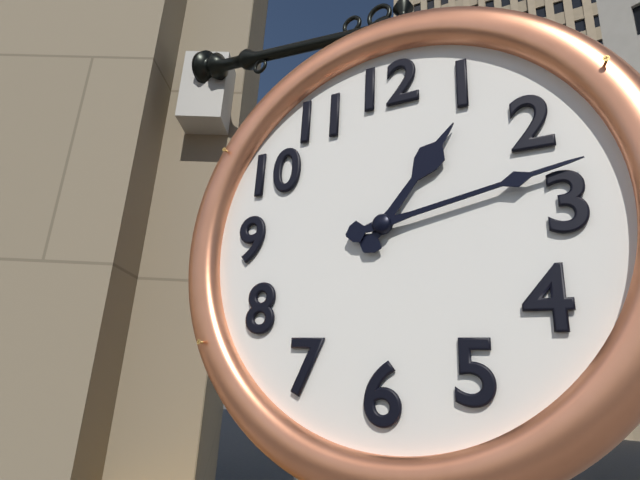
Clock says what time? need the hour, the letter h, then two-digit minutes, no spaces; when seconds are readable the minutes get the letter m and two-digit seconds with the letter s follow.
1h13
